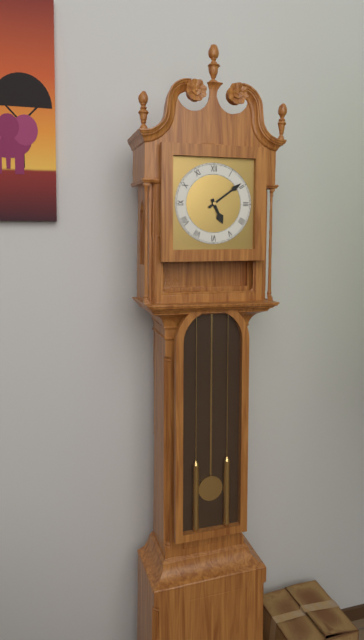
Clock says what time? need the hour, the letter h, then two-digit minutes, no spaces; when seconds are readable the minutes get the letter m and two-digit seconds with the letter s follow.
5h09
